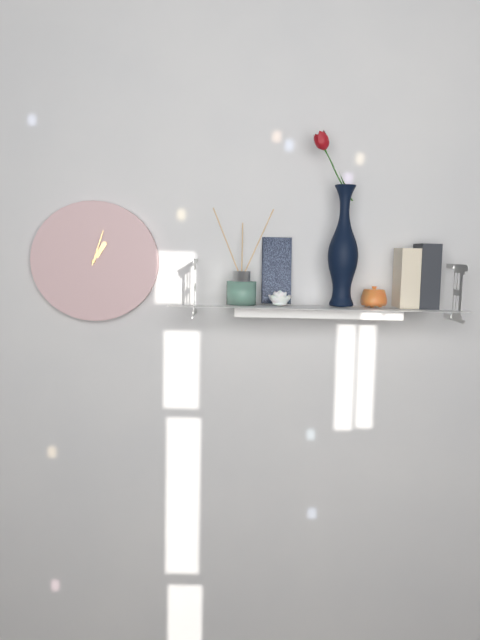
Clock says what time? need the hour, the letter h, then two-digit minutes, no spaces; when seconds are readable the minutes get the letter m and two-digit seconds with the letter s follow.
1h03
